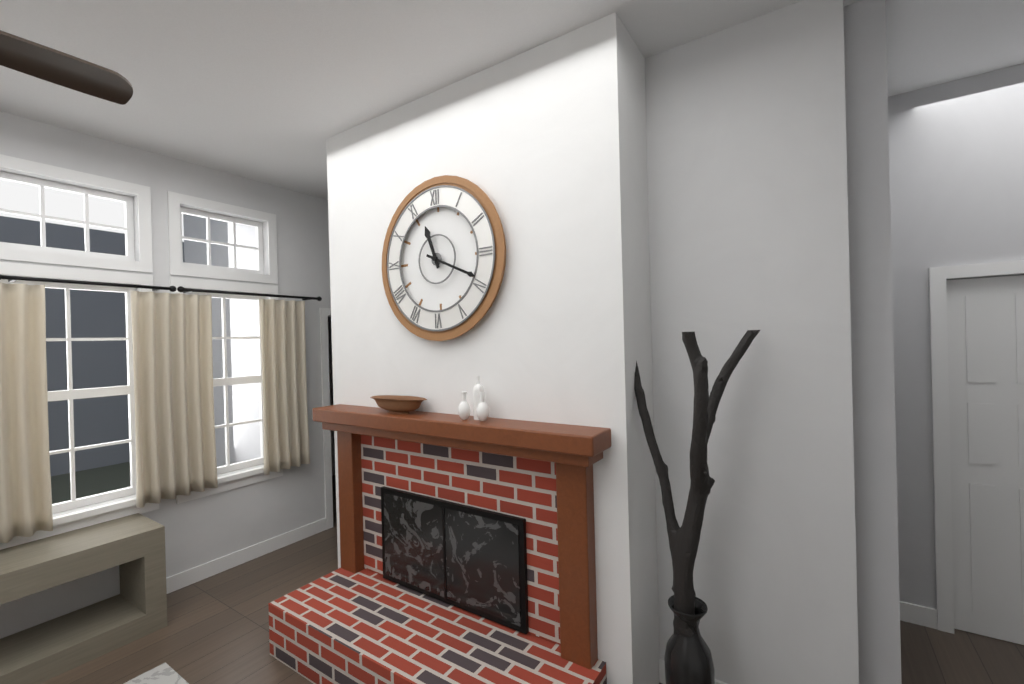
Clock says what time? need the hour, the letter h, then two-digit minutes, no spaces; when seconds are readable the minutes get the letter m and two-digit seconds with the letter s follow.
11h19
